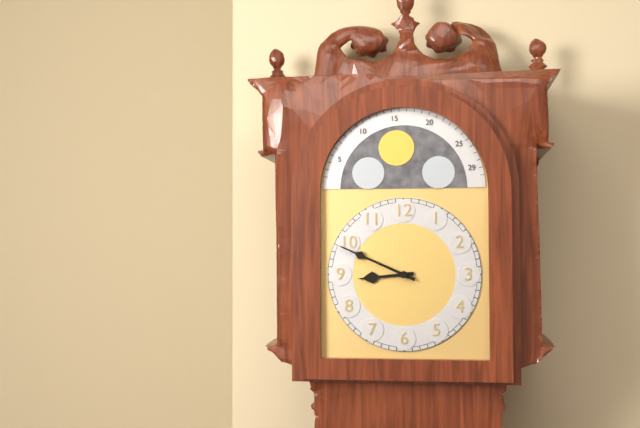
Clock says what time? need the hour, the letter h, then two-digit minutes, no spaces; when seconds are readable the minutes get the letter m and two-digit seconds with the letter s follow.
8h49
